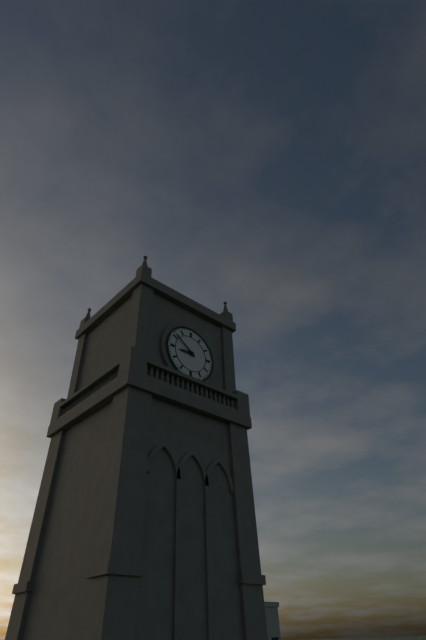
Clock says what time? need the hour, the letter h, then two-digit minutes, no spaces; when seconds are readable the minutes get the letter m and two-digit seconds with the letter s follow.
8h51
